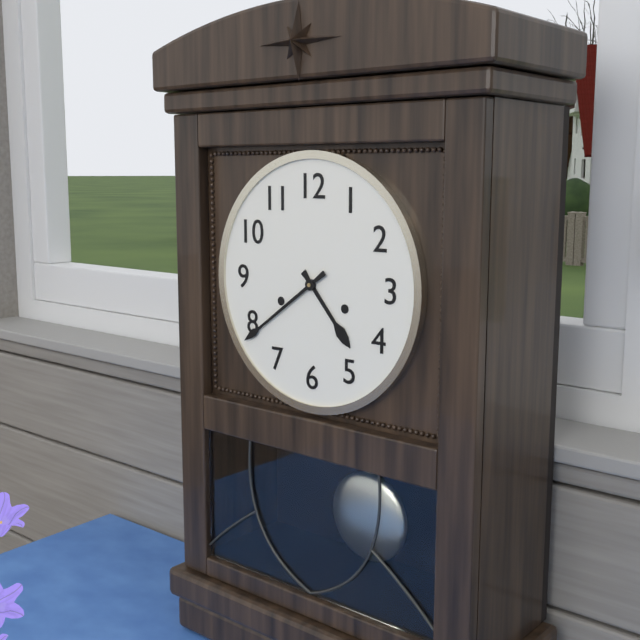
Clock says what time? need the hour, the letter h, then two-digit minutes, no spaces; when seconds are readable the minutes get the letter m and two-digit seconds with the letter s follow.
4h39
